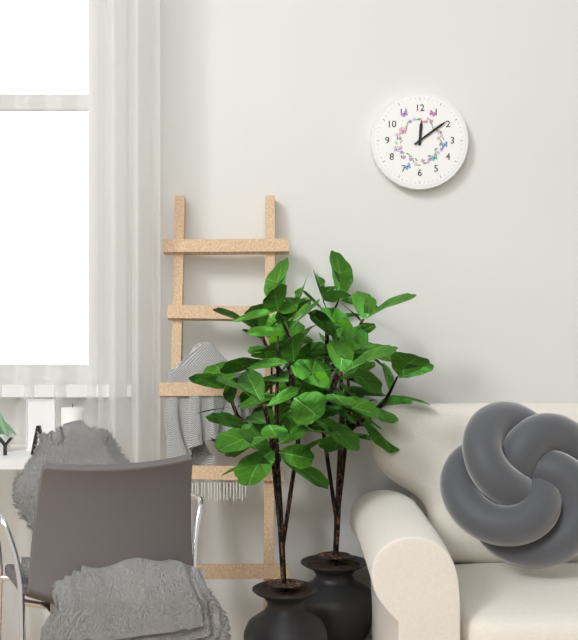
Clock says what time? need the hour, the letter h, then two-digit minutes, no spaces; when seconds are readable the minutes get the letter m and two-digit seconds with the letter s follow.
12h09
